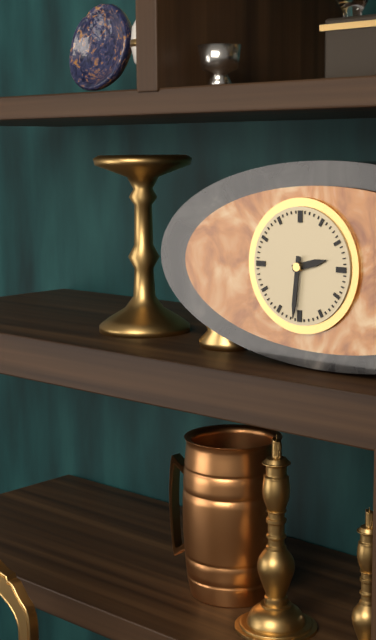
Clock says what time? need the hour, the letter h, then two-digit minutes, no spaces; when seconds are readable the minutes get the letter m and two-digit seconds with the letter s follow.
2h31
